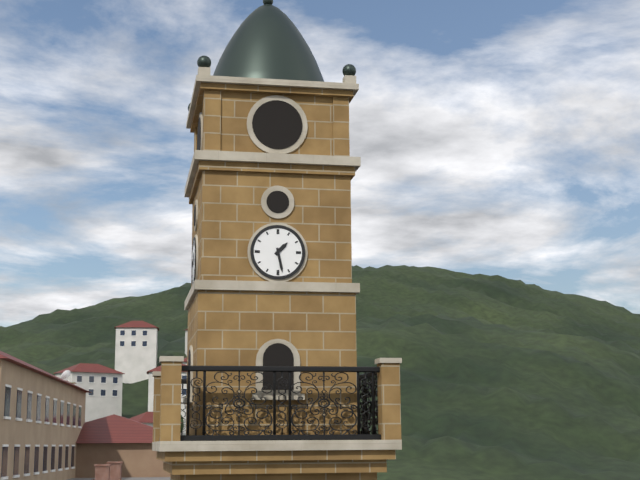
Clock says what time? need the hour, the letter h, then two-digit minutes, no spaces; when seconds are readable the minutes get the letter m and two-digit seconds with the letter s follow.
1h28
